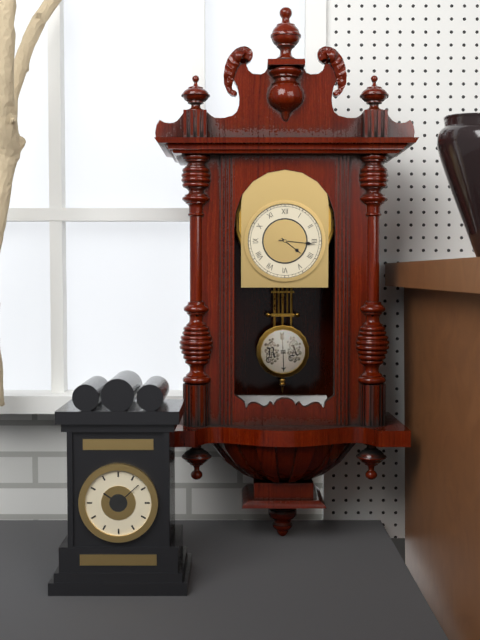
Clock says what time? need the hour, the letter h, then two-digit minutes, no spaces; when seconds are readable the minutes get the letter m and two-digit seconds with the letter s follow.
4h16
